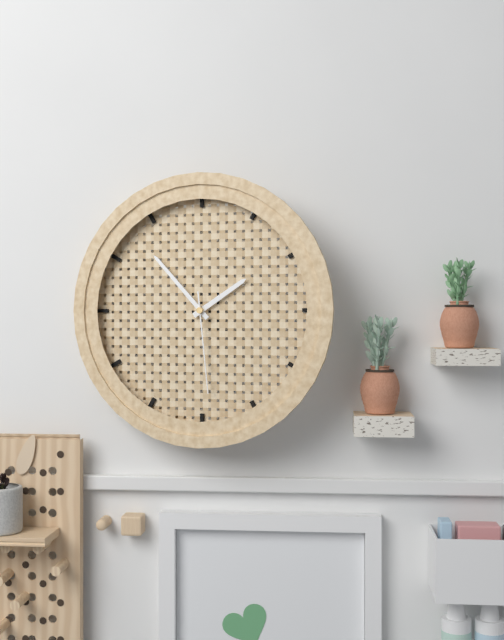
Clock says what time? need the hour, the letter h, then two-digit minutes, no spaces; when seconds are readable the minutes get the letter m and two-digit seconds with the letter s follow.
1h53m29s
